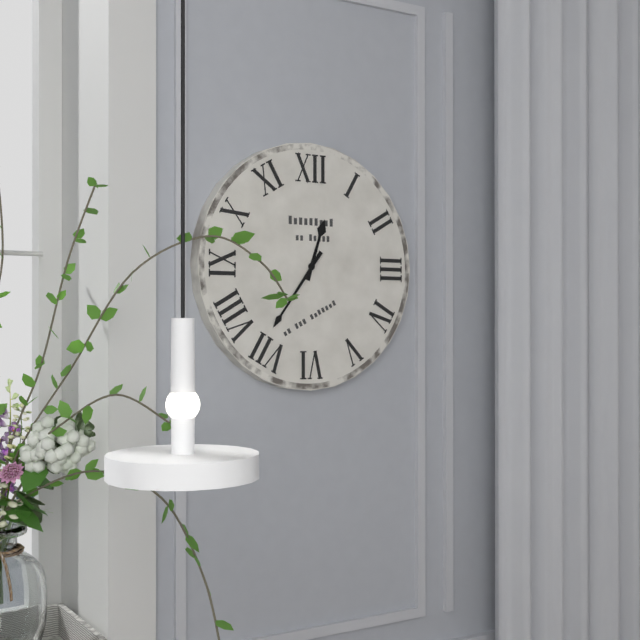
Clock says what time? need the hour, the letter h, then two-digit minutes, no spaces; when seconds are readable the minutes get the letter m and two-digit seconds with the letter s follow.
12h36
